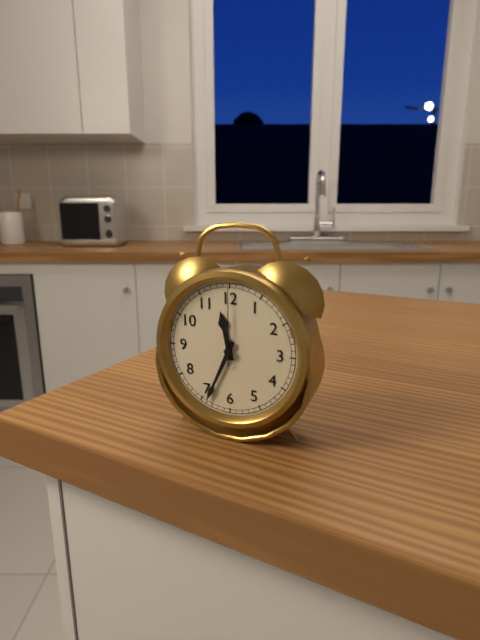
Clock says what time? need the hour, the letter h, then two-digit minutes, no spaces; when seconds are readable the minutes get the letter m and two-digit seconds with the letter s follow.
11h34m00s
